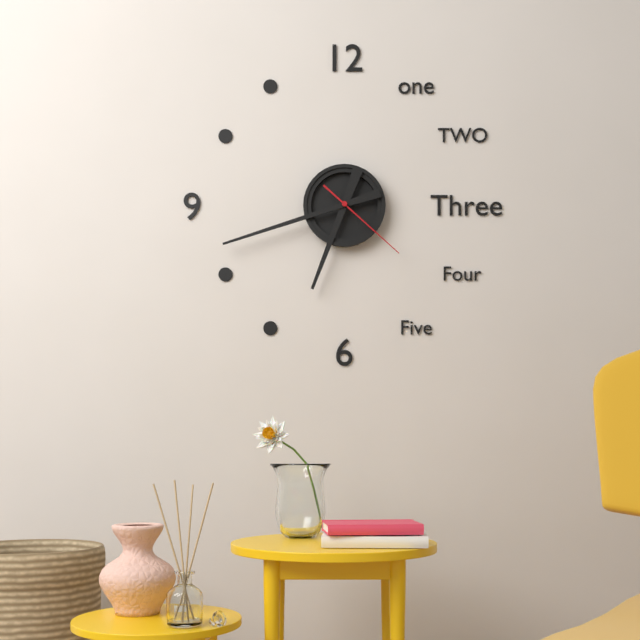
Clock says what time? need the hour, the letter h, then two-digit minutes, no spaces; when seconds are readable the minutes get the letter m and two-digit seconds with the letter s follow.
6h42m22s
